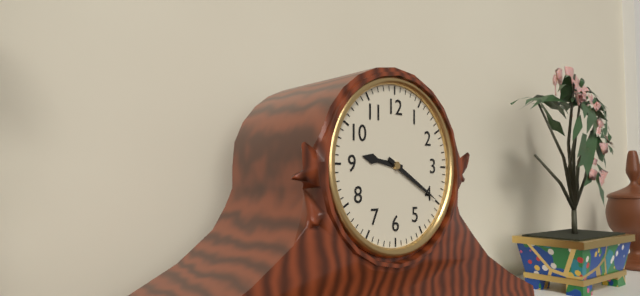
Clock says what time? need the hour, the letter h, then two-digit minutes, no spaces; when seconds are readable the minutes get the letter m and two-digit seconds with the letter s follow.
9h20
